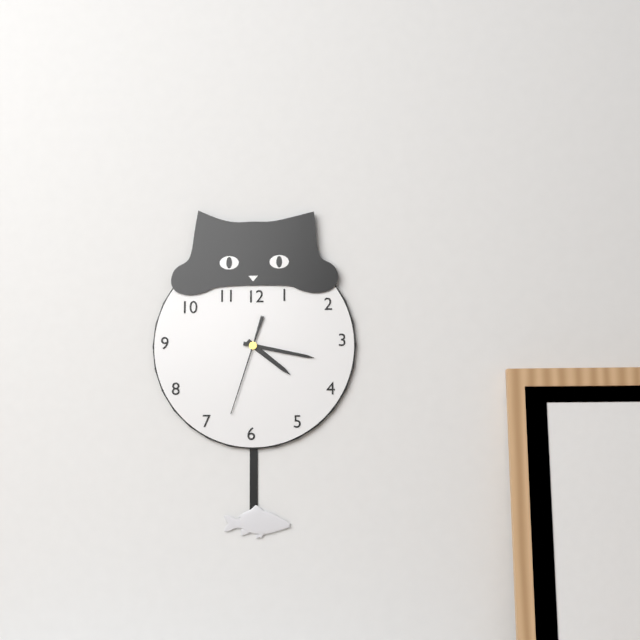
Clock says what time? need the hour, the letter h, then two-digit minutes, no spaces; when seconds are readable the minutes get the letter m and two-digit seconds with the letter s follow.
4h17m33s
